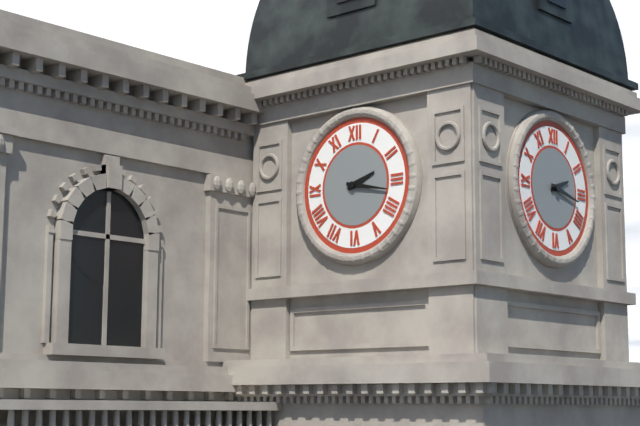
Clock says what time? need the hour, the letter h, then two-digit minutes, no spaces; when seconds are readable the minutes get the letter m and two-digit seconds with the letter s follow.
2h17
